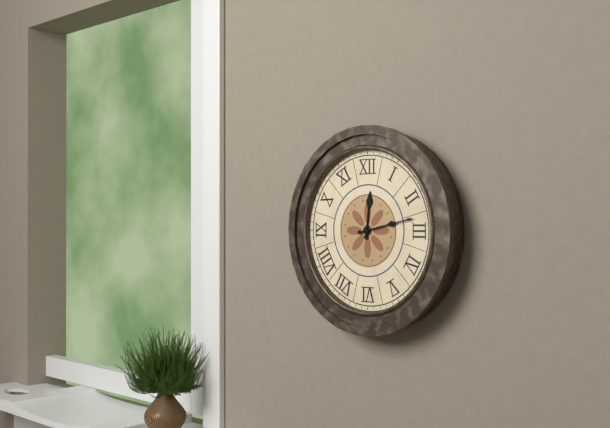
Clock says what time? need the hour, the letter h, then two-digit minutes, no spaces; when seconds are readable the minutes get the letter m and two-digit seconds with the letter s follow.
12h13
